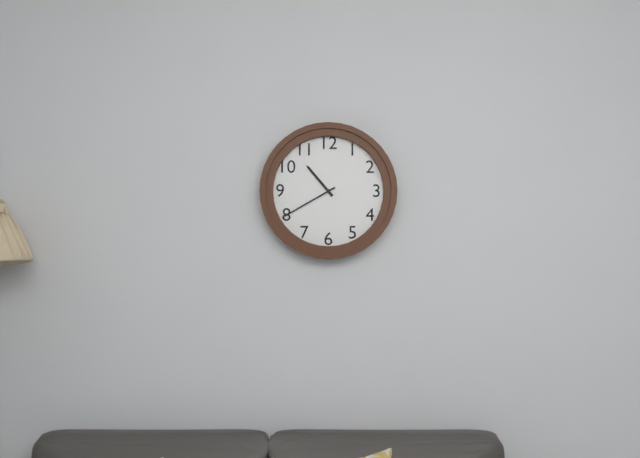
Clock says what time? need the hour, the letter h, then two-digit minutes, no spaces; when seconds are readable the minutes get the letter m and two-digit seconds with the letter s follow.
10h40
